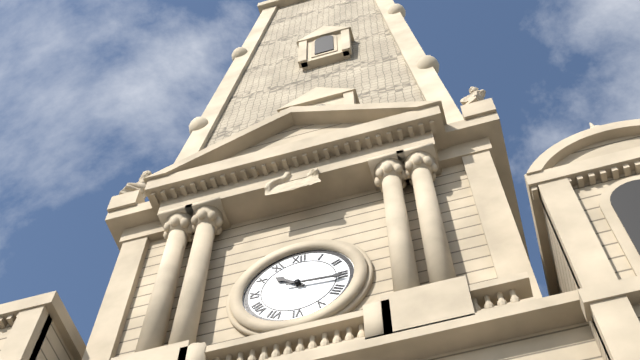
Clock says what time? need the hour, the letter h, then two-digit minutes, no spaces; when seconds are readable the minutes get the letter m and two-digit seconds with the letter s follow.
10h16
